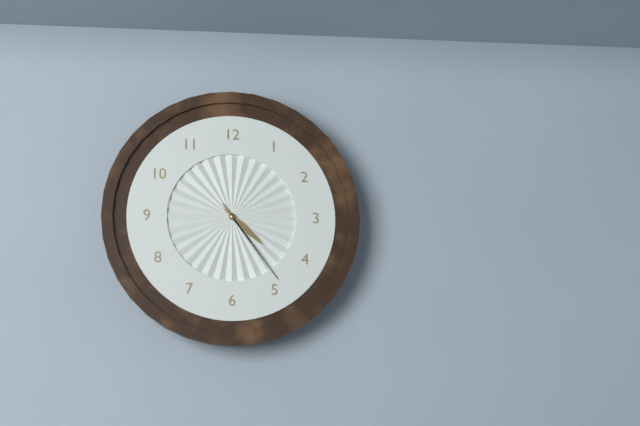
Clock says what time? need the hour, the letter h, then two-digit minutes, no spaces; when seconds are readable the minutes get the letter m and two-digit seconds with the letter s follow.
4h24
